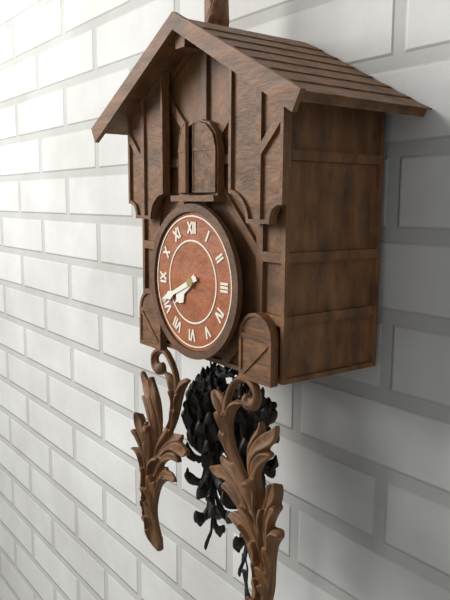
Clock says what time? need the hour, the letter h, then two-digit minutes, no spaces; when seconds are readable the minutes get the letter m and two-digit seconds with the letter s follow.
7h41
